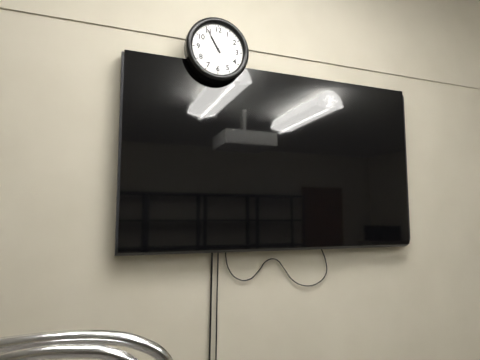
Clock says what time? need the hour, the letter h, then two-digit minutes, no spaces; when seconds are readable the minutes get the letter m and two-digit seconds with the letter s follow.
10h55
